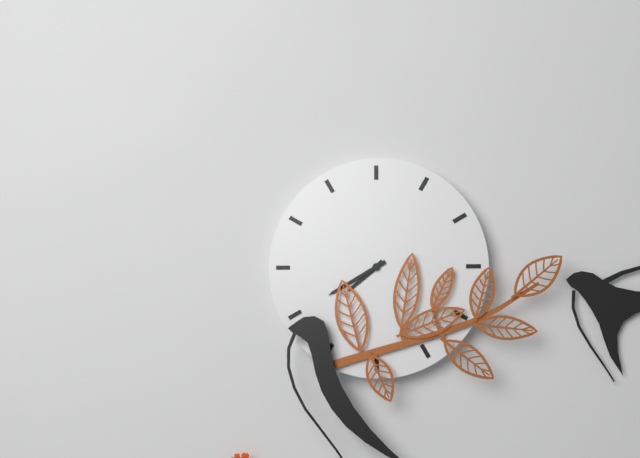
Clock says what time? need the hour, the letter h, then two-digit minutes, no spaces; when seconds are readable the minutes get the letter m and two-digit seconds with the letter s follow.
7h40
